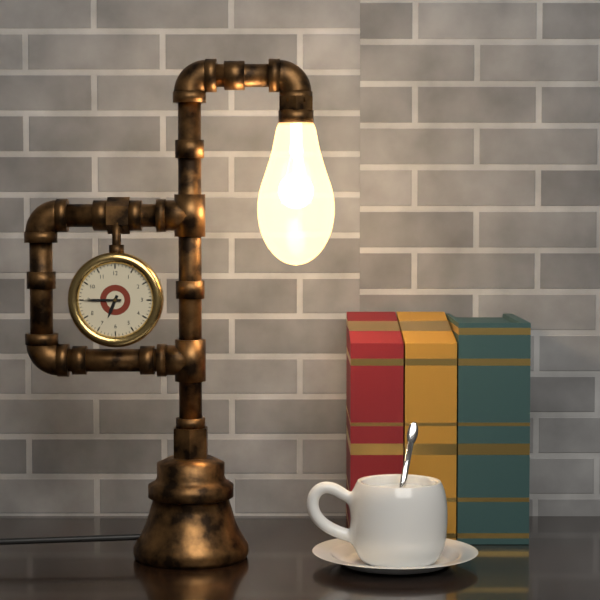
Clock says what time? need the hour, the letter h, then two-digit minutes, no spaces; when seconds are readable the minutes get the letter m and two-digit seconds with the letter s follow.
6h45
